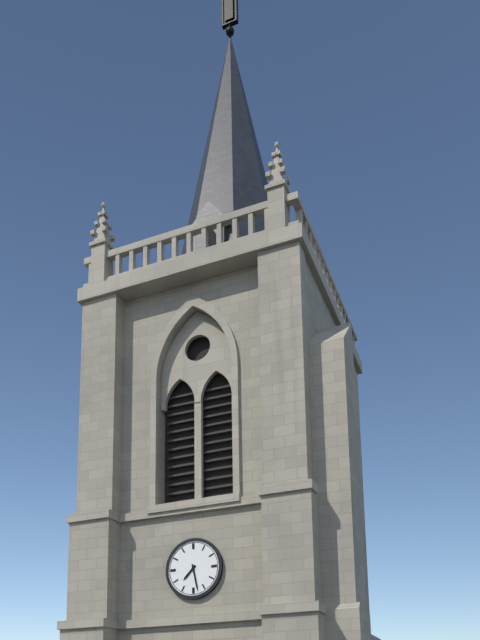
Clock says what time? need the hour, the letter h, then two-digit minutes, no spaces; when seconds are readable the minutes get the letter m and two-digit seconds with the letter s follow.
7h28
